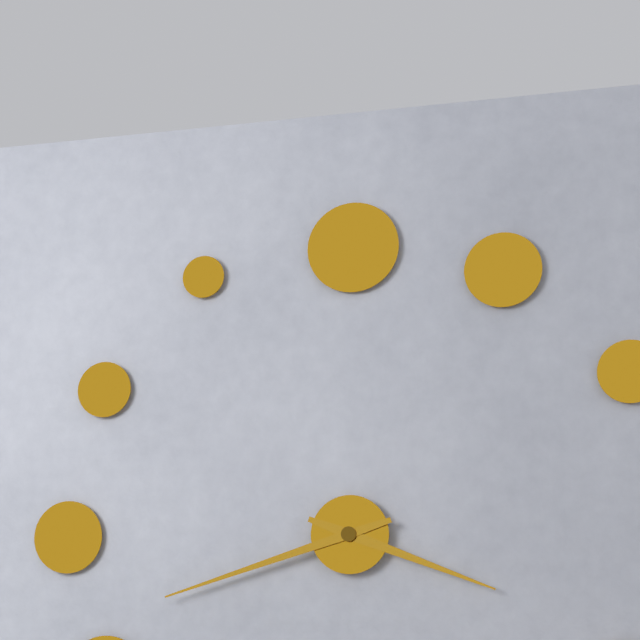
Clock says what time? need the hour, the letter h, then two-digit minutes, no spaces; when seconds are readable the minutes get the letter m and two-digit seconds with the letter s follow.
3h42
